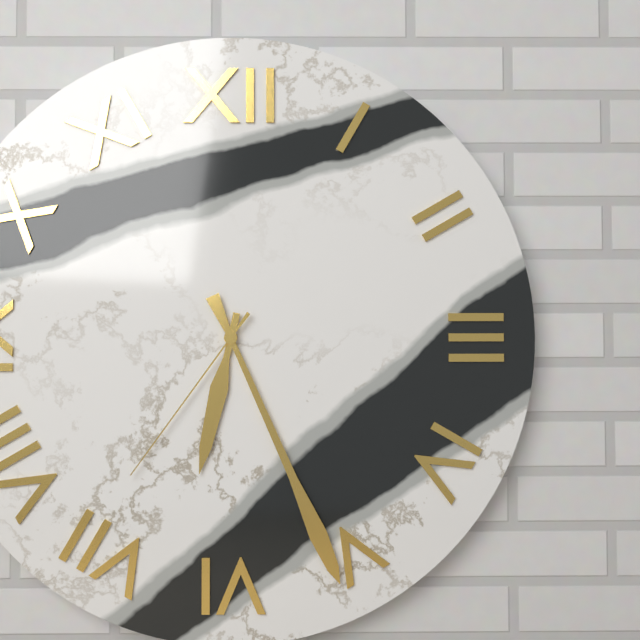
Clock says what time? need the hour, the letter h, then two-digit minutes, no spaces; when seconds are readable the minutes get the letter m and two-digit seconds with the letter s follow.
6h26m36s
